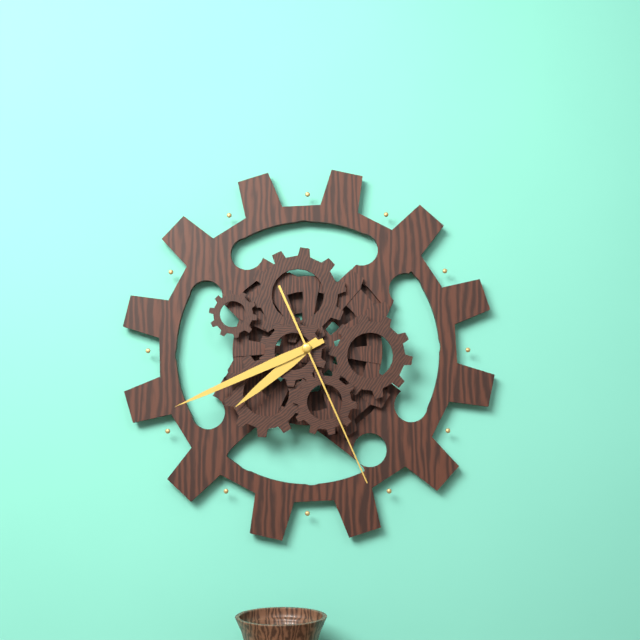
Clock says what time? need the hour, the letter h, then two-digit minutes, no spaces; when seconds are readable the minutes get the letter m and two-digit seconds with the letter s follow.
7h41m26s
